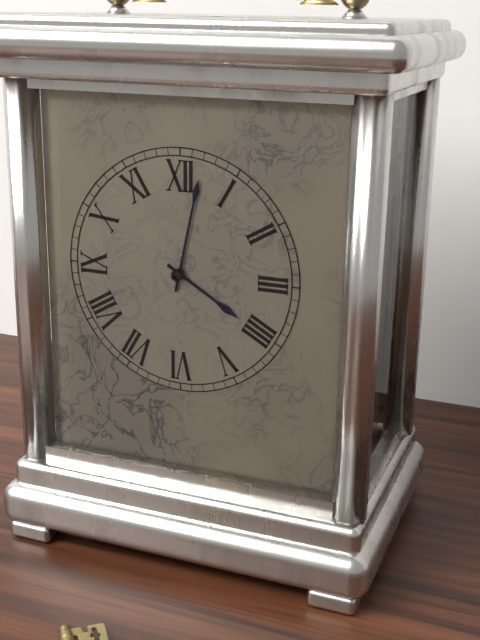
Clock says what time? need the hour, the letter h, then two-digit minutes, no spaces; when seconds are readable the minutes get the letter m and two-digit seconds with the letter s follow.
4h02
